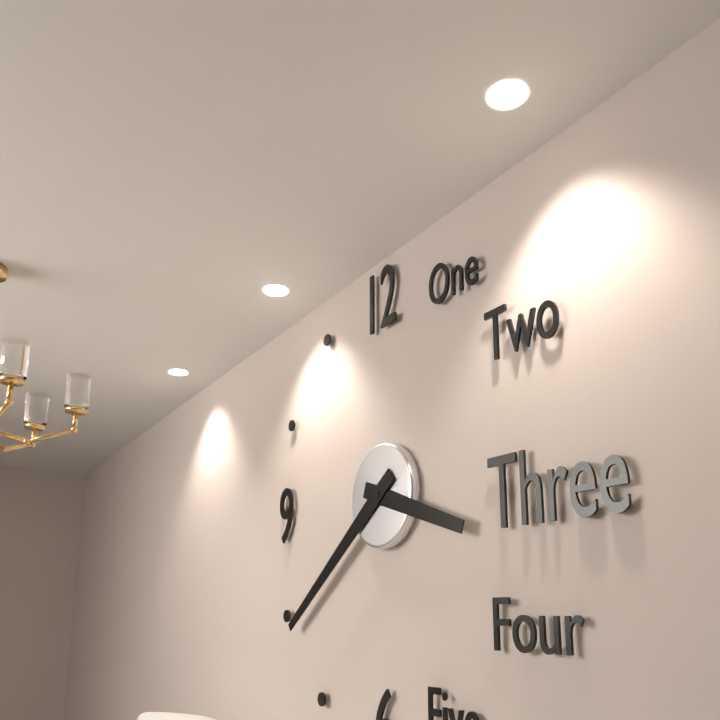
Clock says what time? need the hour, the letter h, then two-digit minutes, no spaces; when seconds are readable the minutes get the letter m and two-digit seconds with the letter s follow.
3h39
